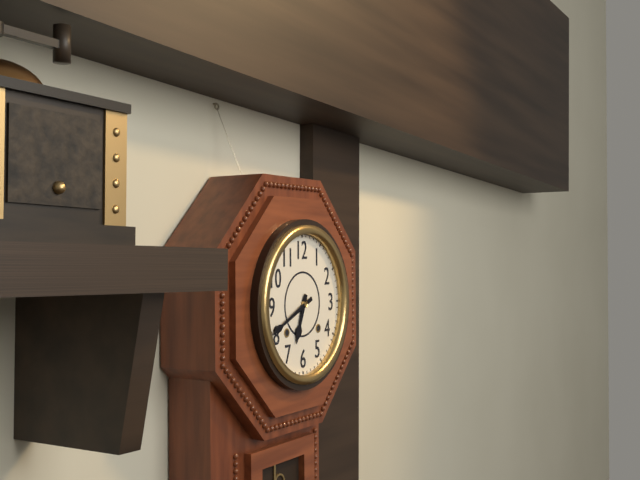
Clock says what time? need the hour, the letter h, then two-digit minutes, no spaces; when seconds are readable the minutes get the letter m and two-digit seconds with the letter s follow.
6h41
